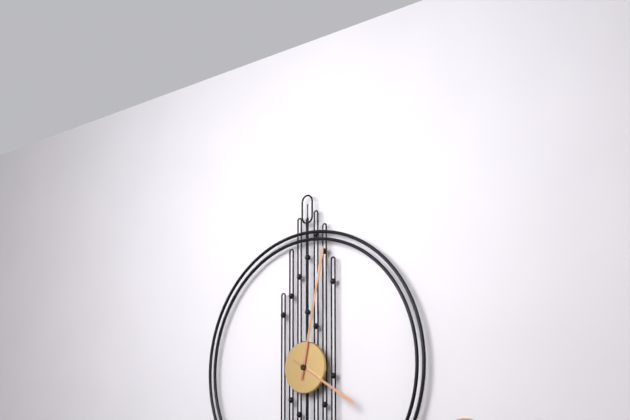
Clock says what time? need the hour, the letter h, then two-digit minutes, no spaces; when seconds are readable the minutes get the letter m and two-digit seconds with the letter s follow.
4h02
